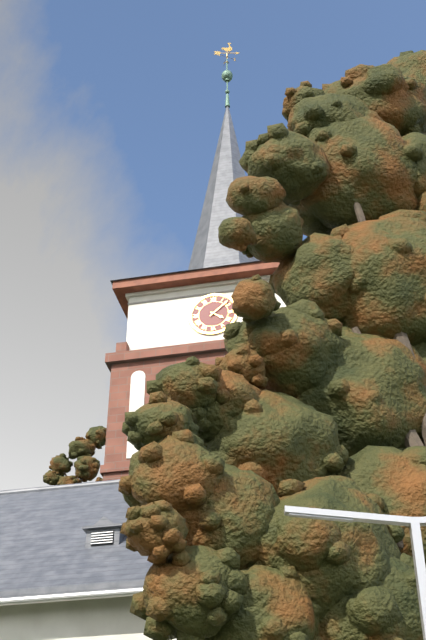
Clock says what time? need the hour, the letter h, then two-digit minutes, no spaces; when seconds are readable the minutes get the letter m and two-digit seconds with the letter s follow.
4h08
